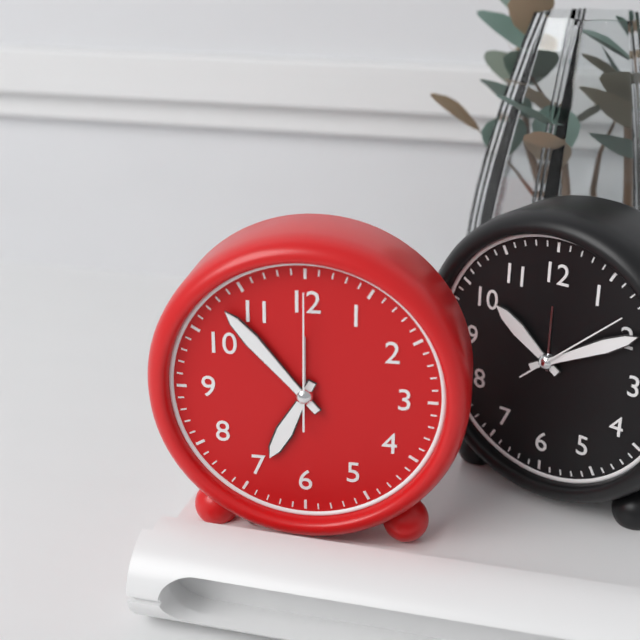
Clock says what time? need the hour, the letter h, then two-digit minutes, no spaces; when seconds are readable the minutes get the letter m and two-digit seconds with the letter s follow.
6h53m00s
